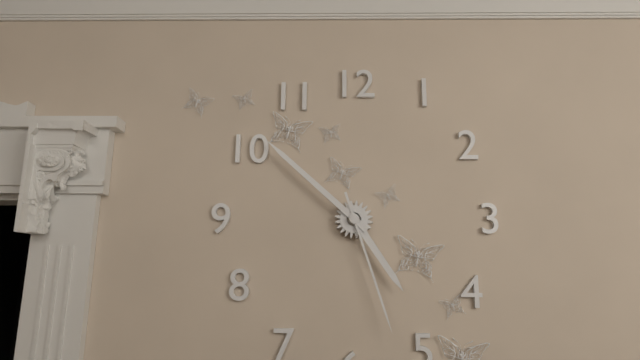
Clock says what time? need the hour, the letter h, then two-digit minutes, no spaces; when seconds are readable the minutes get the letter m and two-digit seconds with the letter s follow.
4h52m27s
